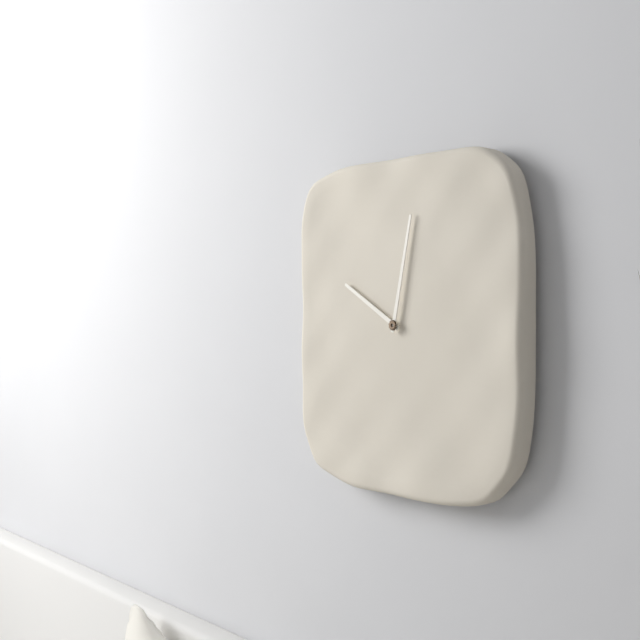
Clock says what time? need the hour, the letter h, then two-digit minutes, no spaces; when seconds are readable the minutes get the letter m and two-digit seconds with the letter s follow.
10h02
